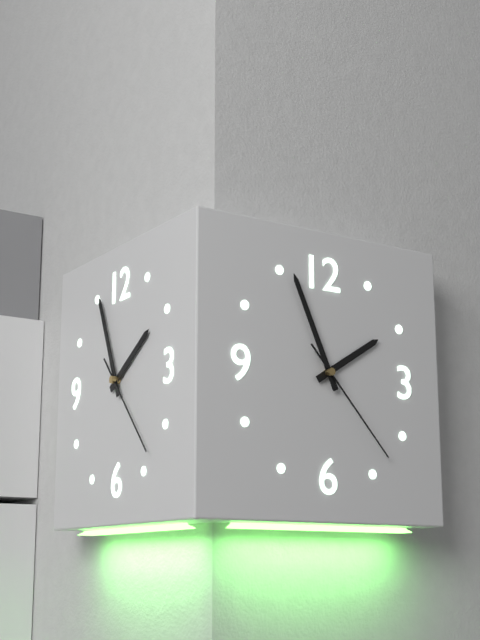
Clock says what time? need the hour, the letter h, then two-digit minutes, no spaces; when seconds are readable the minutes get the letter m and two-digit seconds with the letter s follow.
1h56m23s
